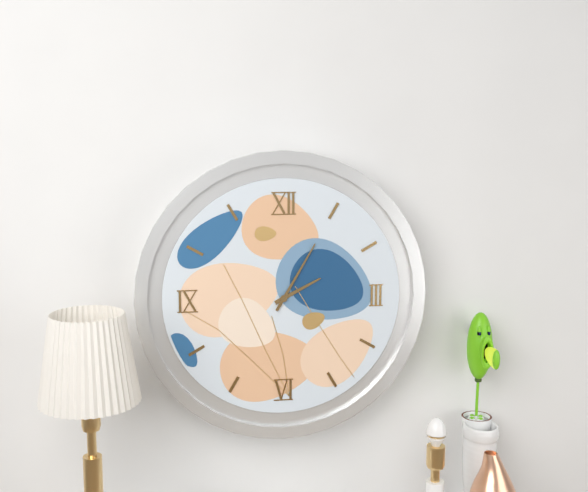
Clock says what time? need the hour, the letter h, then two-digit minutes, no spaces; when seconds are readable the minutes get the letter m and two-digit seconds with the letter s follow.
2h05
